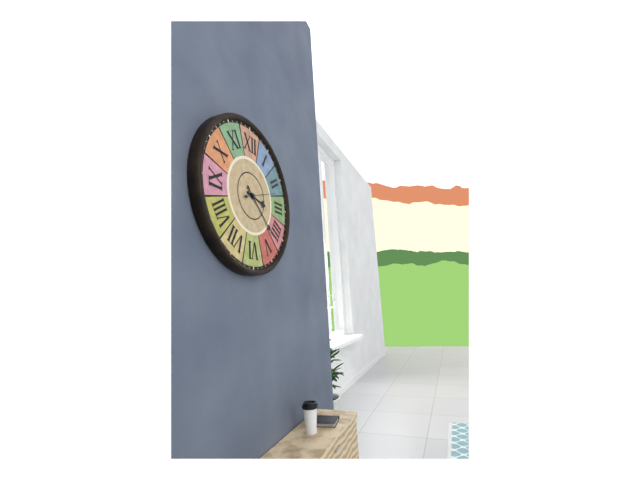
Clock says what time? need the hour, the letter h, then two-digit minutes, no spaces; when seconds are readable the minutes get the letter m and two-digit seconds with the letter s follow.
3h22
